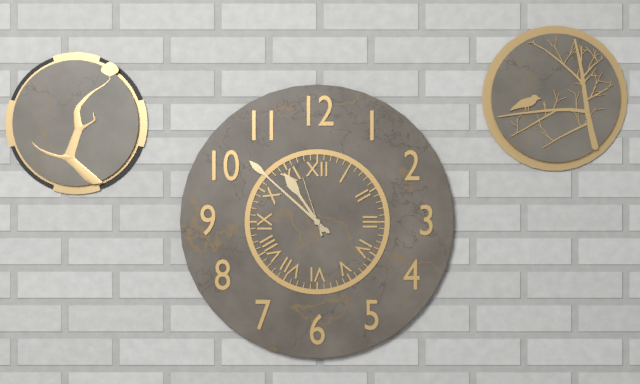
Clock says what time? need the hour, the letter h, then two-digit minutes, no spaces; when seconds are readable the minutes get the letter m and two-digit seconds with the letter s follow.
10h52m57s
